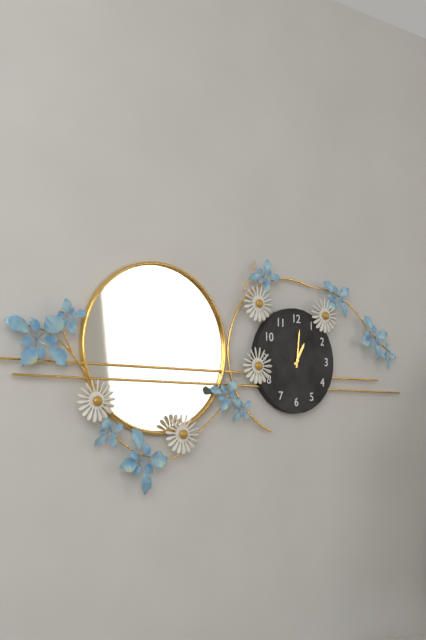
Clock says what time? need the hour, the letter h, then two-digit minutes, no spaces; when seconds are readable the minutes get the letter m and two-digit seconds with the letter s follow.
1h01
